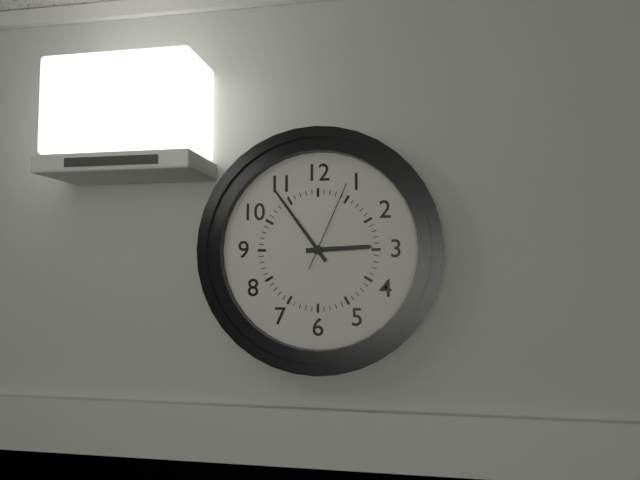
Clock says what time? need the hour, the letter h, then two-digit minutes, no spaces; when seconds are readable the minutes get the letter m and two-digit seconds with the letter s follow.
2h54m04s
